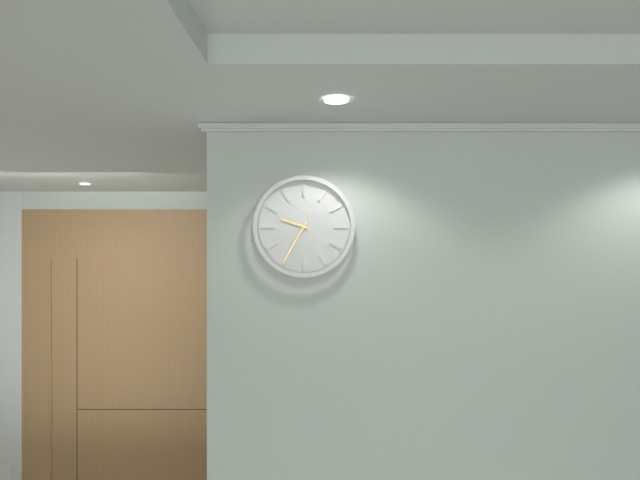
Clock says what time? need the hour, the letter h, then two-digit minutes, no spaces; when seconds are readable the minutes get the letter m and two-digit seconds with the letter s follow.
9h35
